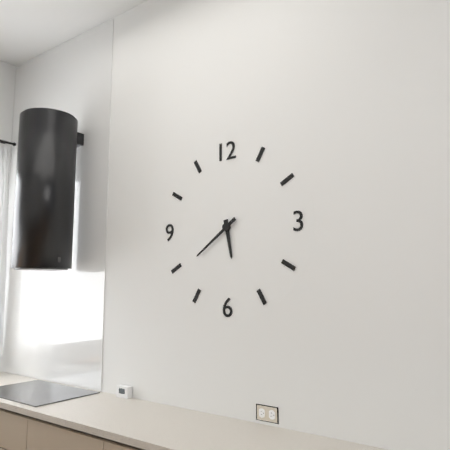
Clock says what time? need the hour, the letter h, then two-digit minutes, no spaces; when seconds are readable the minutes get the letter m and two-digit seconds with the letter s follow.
5h39
